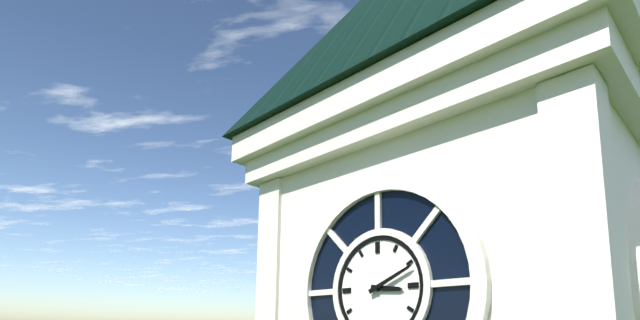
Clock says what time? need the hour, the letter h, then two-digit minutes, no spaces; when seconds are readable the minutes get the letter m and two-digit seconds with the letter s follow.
3h11
